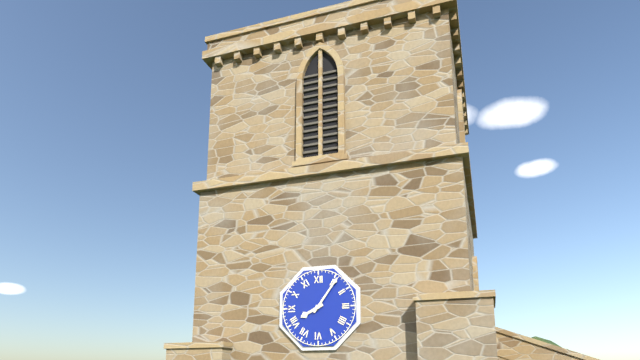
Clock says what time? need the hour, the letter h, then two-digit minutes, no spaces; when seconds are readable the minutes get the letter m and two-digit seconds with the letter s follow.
8h06
